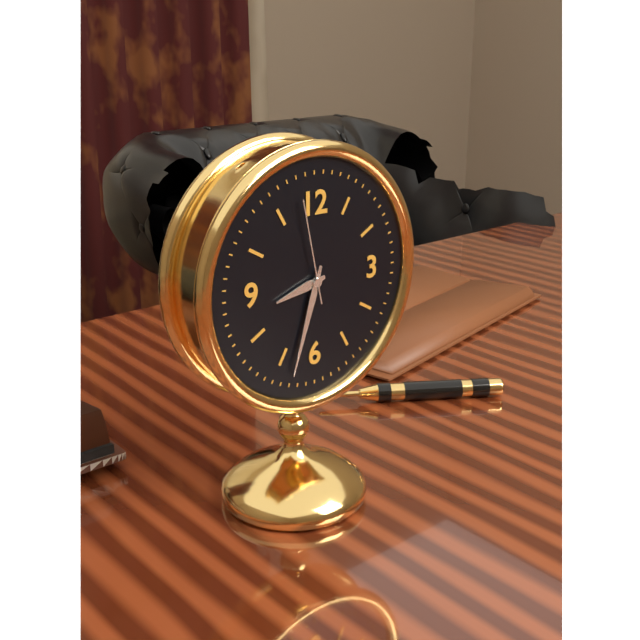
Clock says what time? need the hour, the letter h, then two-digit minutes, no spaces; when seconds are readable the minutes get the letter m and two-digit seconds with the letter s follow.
8h33m58s
